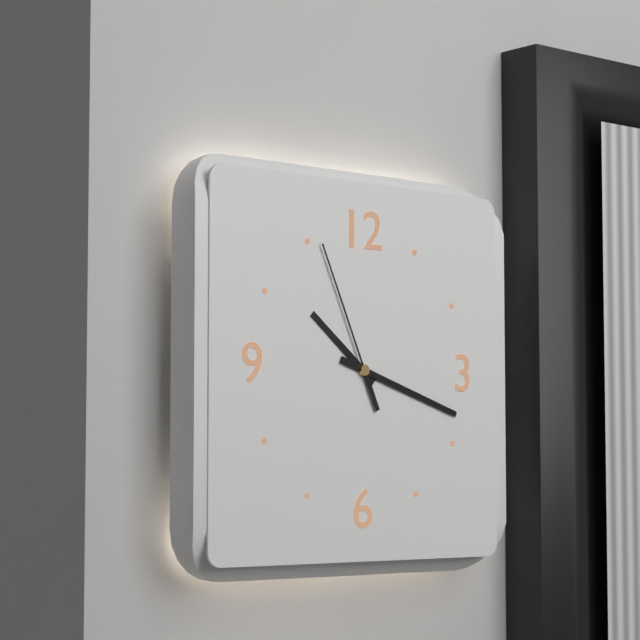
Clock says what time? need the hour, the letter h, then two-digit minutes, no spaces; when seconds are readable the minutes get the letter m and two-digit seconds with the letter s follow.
10h18m56s
